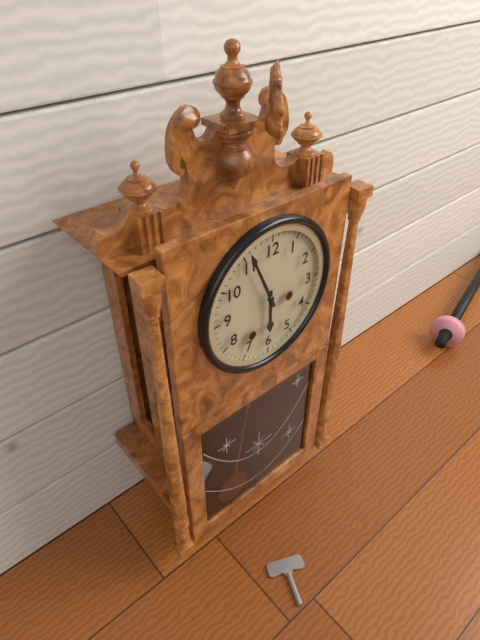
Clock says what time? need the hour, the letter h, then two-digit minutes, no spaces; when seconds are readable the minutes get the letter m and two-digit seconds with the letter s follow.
5h56
